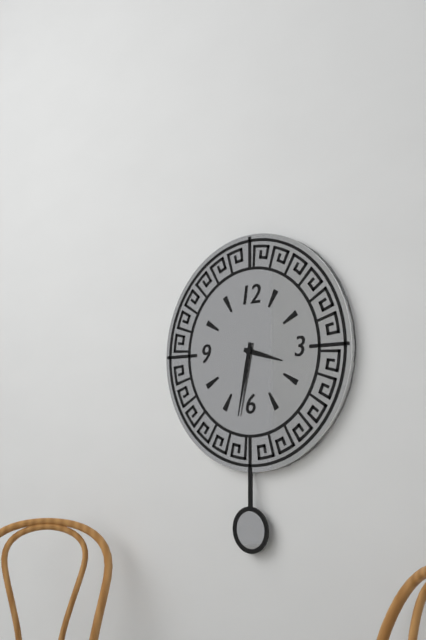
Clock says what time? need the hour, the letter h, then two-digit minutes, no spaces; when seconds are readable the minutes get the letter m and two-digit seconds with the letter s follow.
3h32
